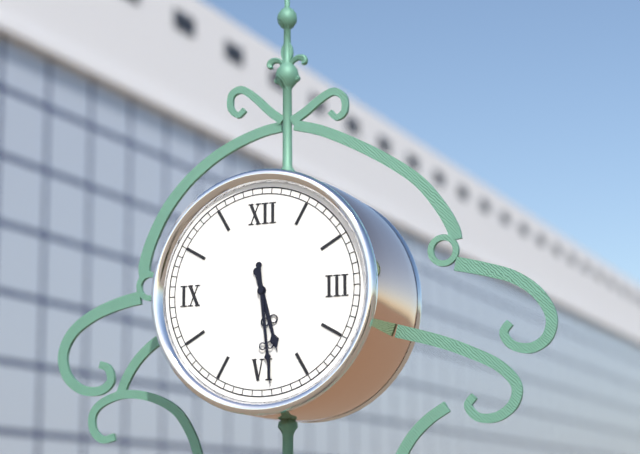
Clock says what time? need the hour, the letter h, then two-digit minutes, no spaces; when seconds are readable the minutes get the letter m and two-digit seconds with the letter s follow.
5h29
